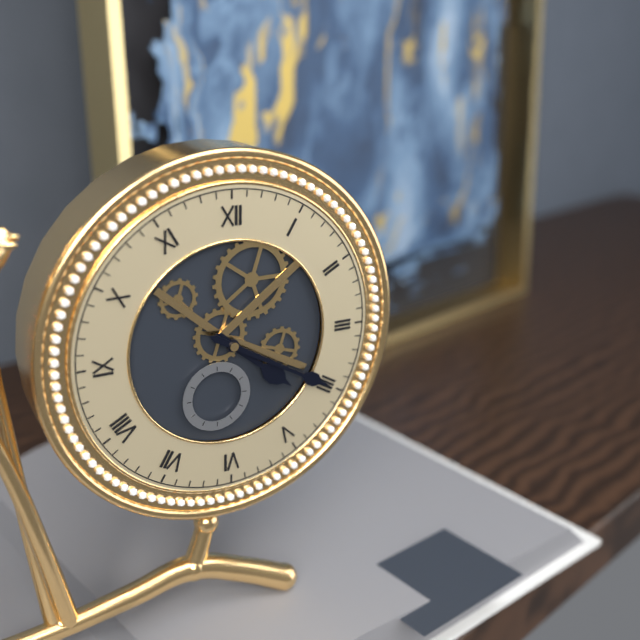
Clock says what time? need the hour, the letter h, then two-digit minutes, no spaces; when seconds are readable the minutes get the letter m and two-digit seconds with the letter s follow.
4h20
